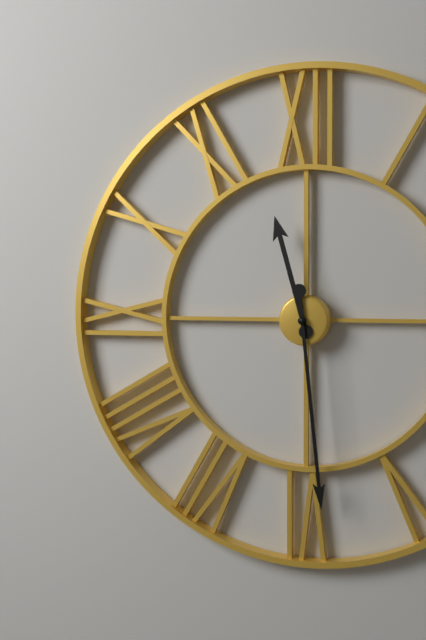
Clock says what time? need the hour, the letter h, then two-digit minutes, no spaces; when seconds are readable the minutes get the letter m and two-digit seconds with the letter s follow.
11h29
